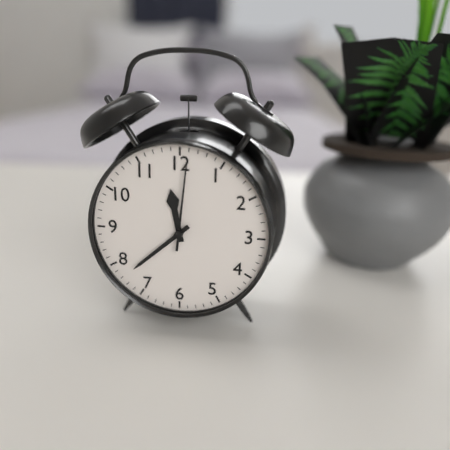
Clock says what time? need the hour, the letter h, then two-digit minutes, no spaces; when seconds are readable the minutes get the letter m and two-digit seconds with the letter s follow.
11h38m01s
